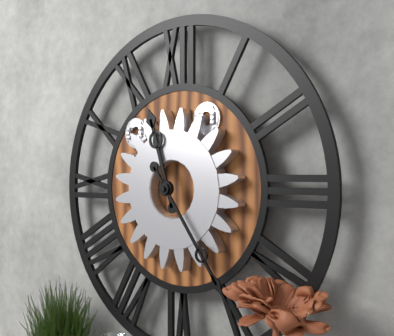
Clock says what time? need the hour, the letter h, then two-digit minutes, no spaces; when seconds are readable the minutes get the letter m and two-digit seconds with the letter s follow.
11h24
